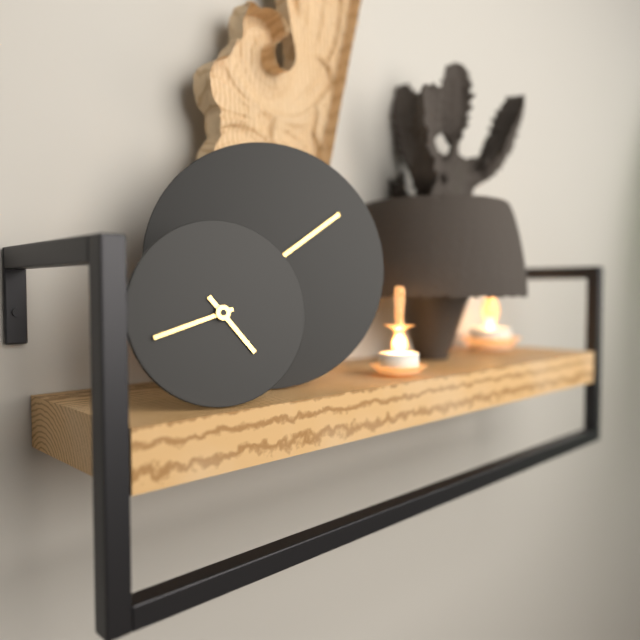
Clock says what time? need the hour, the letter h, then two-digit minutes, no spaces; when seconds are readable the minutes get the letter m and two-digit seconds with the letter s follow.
4h42
